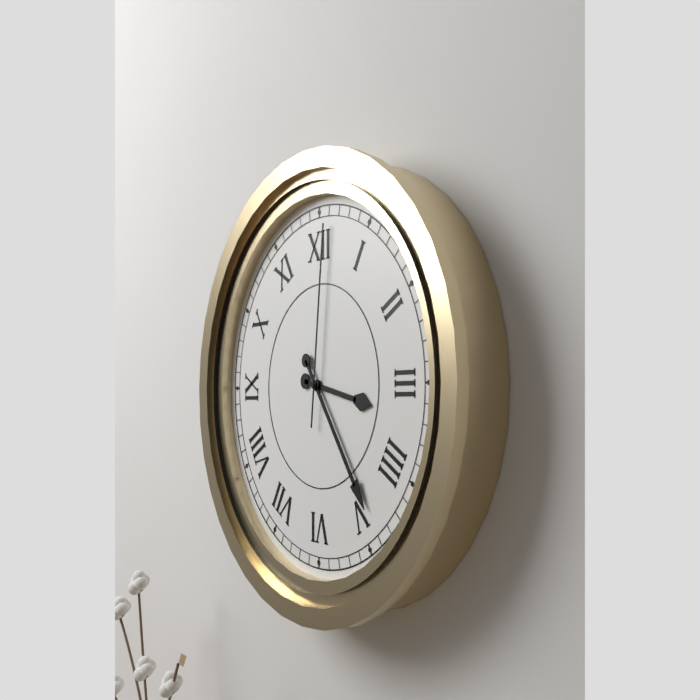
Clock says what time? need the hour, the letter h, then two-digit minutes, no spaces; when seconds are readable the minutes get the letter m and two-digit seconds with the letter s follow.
3h24m01s
